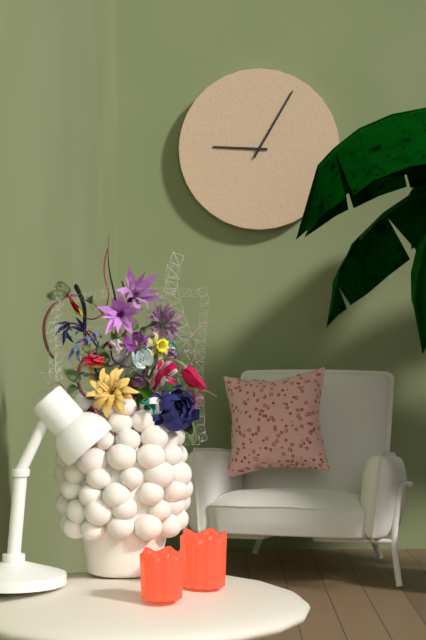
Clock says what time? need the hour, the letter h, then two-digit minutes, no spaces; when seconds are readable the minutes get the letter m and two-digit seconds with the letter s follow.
9h05
